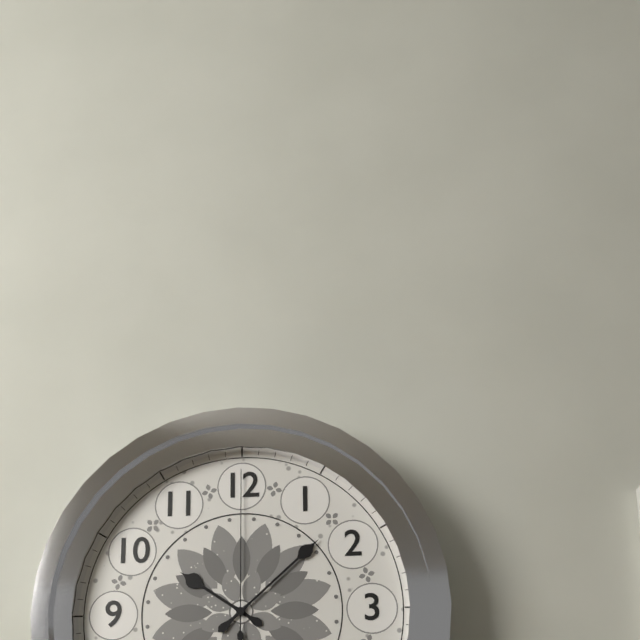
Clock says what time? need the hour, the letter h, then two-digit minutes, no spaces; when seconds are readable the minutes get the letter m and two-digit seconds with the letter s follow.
10h08m00s
